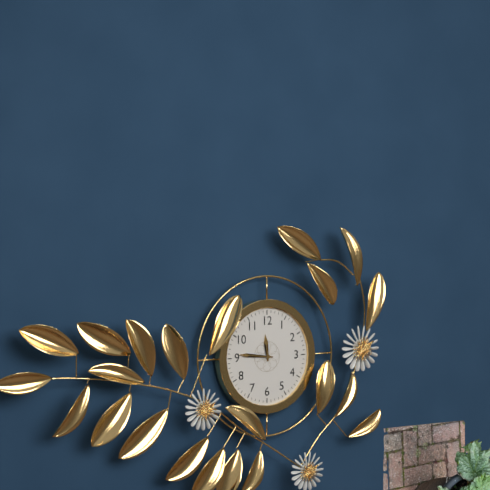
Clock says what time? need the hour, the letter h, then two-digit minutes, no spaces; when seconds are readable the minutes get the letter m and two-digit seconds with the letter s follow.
11h46
